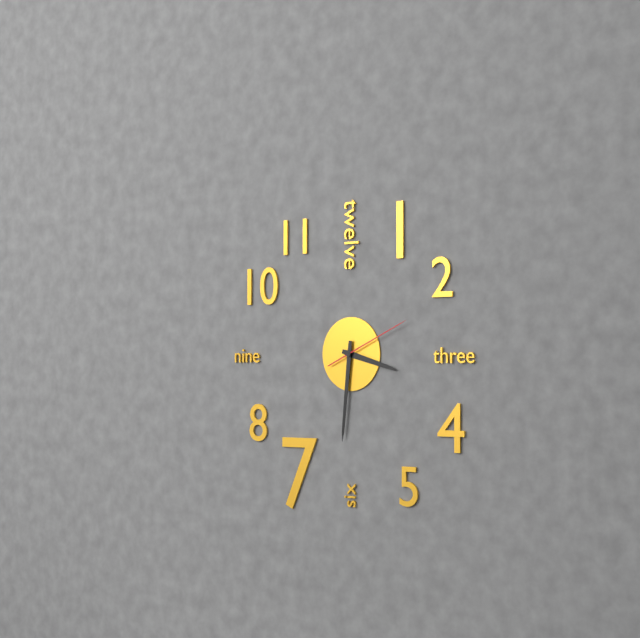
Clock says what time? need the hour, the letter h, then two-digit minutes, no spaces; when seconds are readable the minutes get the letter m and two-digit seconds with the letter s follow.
3h31m11s
